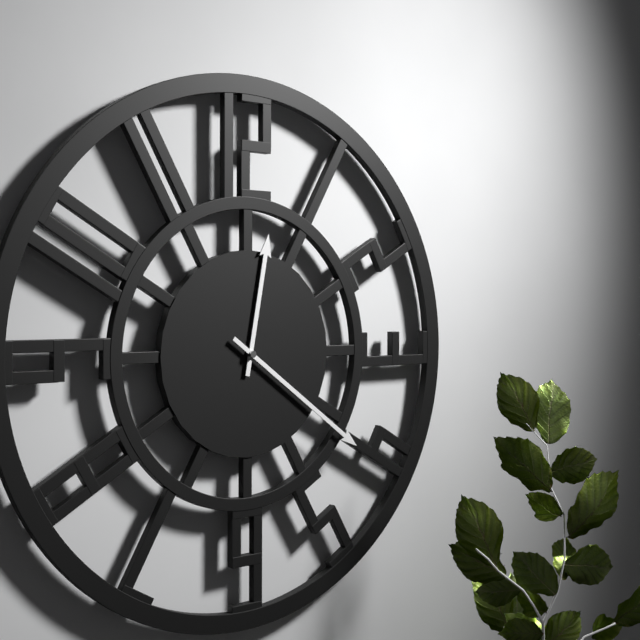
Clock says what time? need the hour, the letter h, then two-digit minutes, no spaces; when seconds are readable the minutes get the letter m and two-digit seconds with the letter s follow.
12h21
